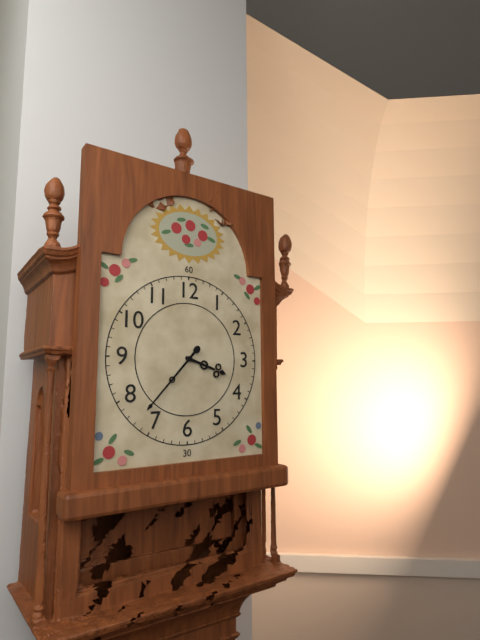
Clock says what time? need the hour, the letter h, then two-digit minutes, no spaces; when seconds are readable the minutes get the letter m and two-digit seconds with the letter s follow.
3h37
